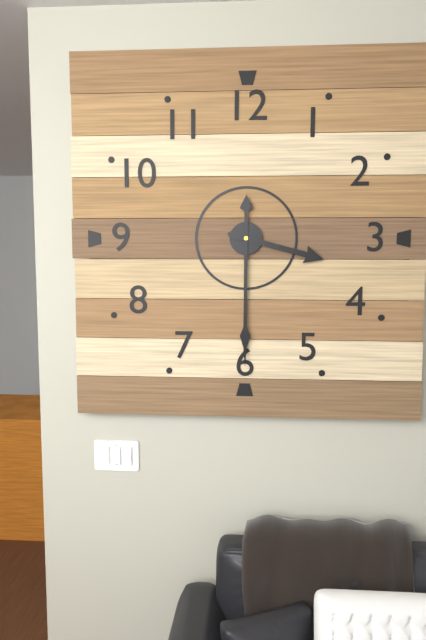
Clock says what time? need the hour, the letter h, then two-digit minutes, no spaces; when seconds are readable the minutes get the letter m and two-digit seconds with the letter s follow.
3h30
